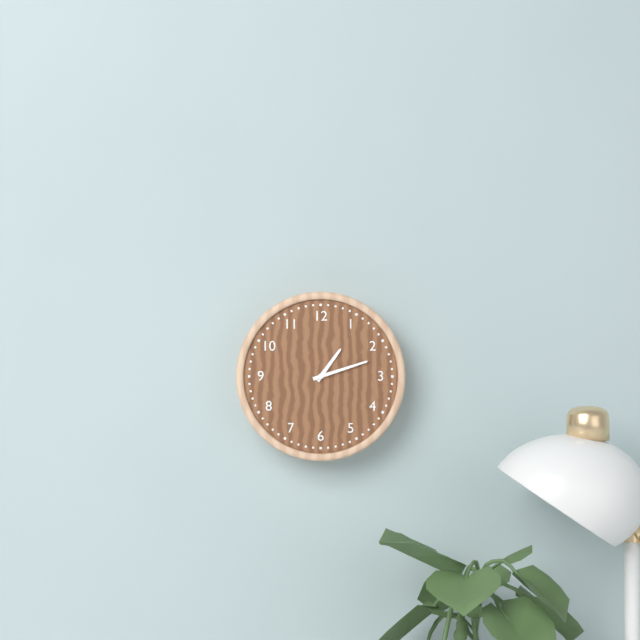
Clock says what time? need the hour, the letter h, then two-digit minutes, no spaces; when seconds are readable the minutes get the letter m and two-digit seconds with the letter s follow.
1h12
